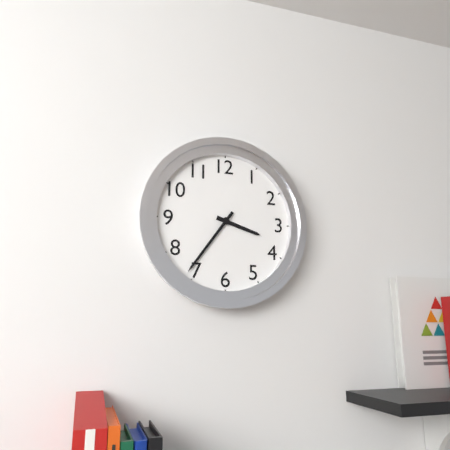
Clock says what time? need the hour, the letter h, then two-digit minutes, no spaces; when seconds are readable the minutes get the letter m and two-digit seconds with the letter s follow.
3h36
